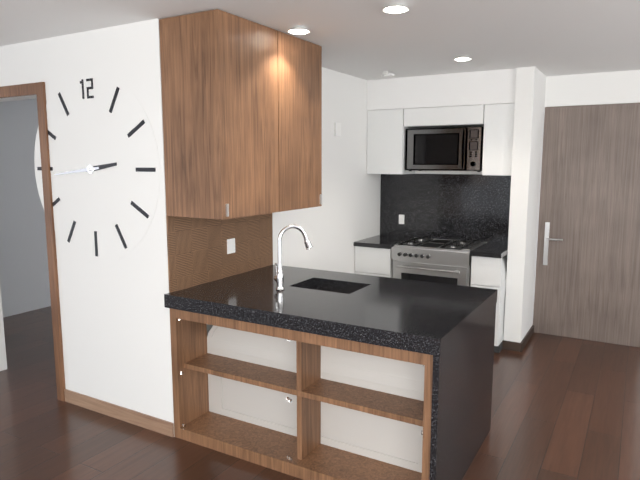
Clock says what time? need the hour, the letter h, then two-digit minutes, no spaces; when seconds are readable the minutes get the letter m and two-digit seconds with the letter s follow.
2h44
